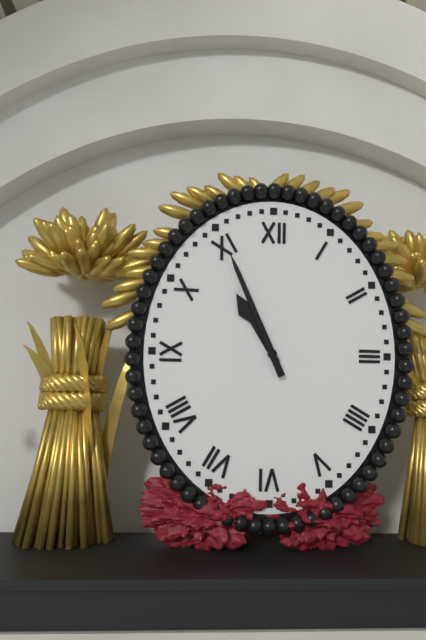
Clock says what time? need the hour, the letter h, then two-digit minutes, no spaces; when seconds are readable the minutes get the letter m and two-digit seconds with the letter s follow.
10h56
